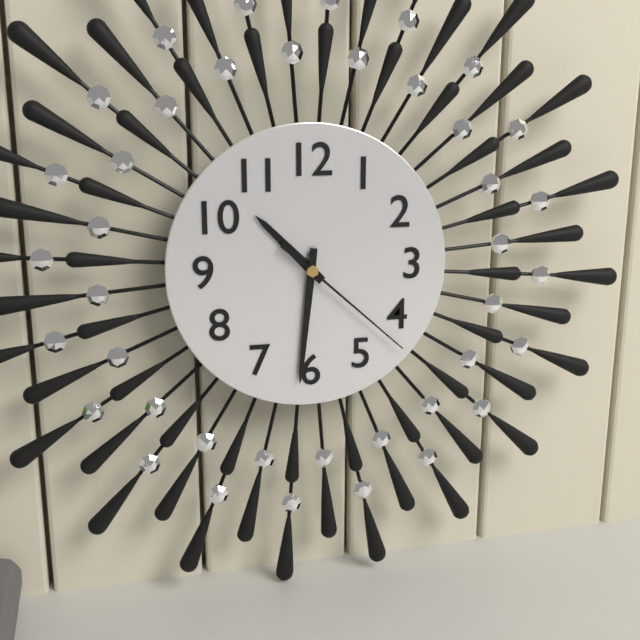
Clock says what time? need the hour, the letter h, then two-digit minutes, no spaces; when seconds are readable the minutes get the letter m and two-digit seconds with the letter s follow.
10h31m22s
